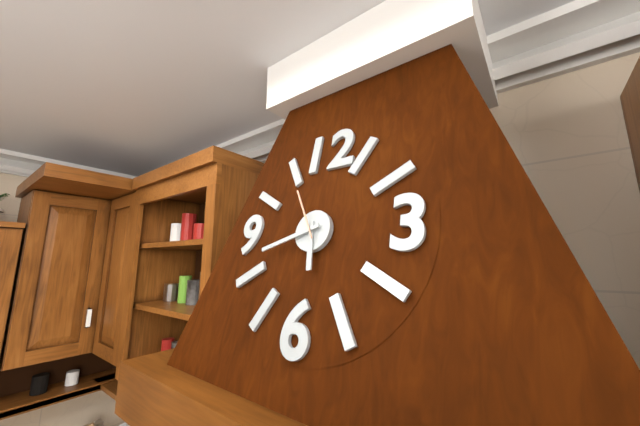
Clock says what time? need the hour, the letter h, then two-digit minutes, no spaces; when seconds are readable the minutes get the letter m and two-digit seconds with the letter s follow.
5h42
